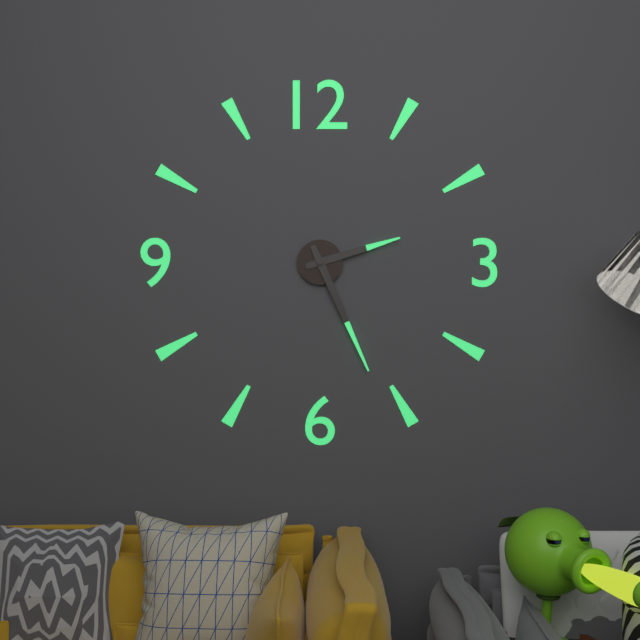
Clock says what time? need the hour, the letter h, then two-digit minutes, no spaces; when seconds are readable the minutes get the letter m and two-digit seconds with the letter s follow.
2h26
